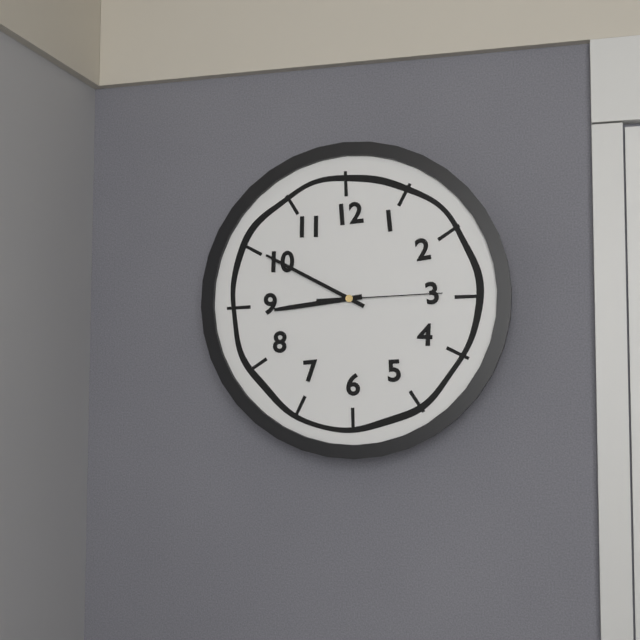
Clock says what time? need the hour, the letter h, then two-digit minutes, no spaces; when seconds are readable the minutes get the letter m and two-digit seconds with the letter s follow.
8h50m15s
